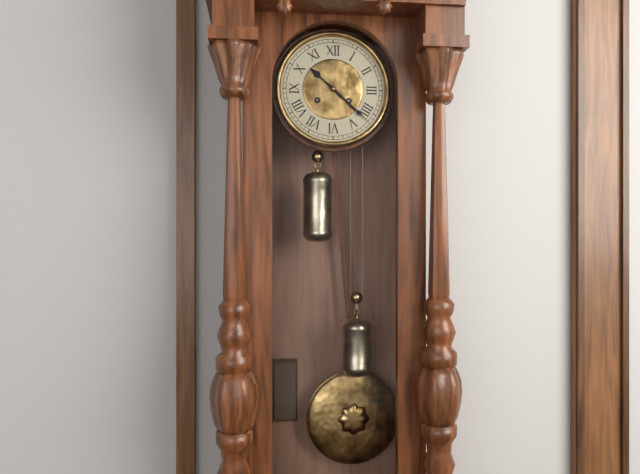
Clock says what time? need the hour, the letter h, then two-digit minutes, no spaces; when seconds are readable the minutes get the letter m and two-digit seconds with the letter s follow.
10h22
